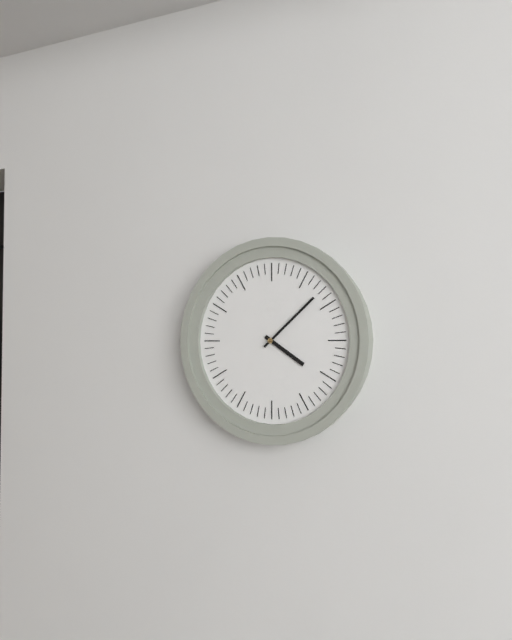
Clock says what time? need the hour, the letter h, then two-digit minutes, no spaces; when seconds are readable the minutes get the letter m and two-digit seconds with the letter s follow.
4h08
